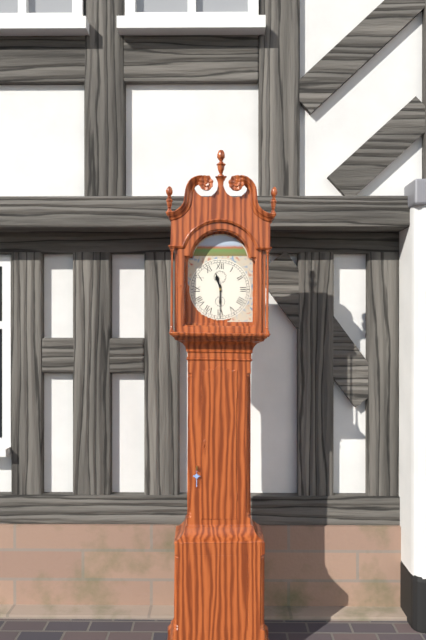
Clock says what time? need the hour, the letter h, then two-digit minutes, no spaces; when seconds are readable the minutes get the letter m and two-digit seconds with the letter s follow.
11h30
